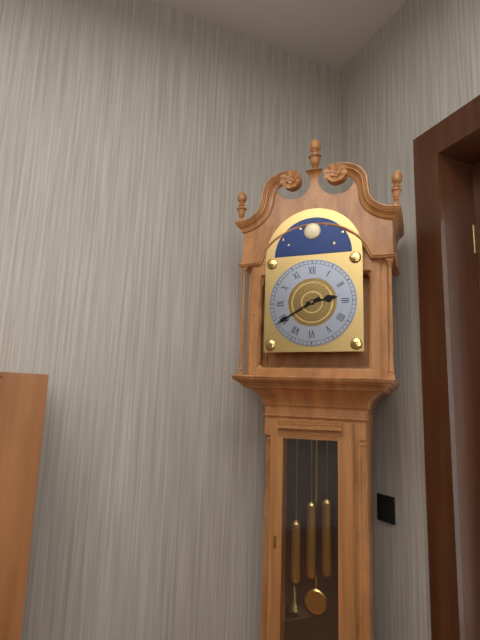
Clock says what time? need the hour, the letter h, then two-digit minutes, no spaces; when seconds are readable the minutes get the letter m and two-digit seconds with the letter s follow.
2h40
